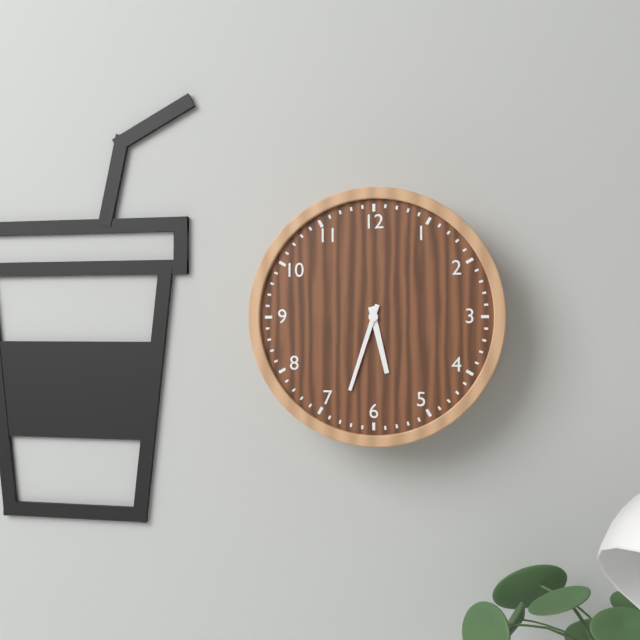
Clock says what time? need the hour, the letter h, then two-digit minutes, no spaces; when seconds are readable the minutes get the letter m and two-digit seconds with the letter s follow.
5h33
